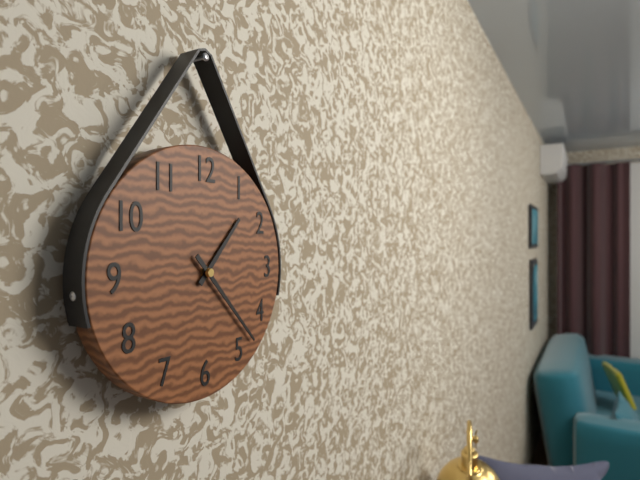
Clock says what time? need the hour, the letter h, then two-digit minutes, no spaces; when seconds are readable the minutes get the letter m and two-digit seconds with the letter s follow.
1h23
